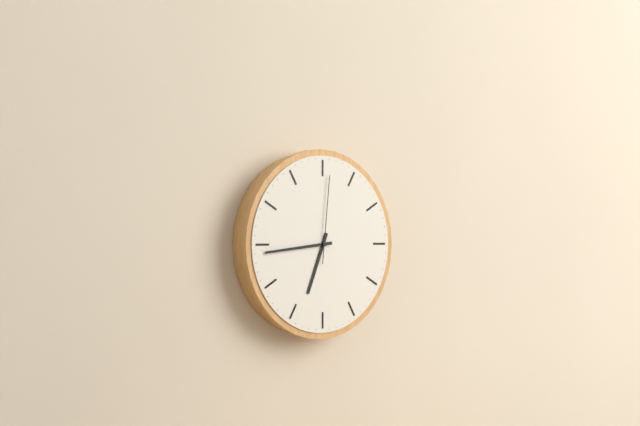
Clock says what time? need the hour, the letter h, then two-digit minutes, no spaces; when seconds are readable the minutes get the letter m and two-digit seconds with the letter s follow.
6h44m01s
